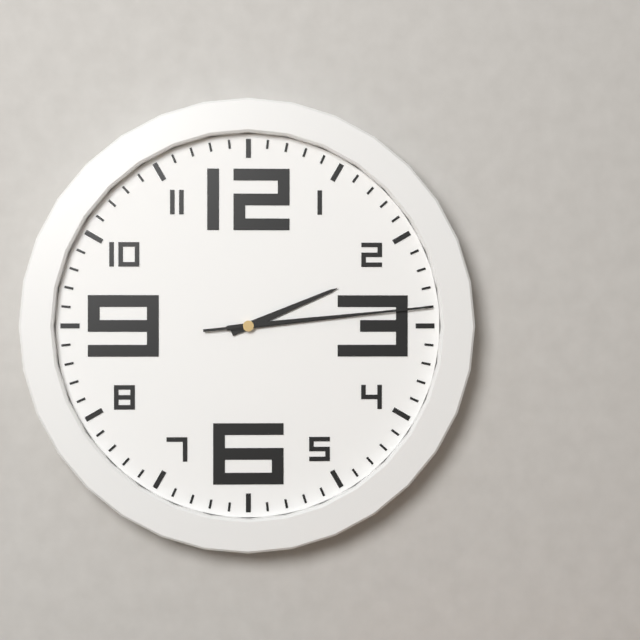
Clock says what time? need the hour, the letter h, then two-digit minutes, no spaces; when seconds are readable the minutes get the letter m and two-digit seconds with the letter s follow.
2h14m14s
